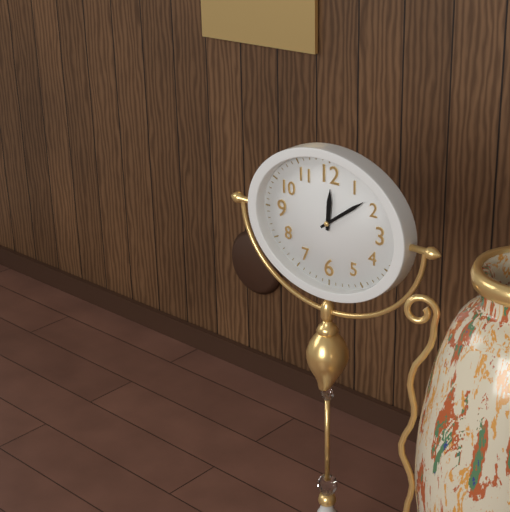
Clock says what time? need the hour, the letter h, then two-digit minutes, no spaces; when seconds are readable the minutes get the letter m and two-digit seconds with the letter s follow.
12h09
